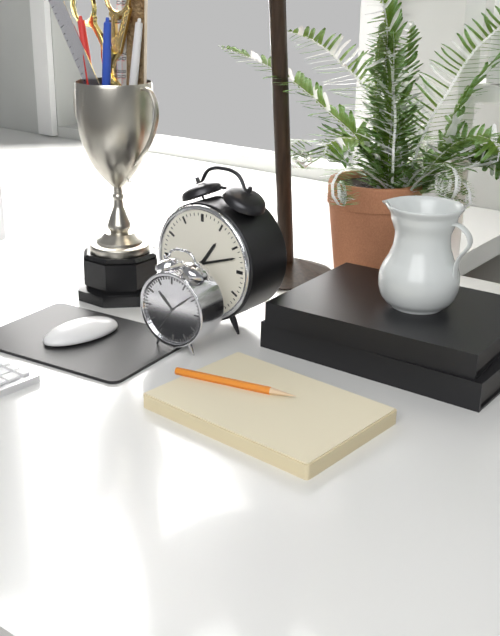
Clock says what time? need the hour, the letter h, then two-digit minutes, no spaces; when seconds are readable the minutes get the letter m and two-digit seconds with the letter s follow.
1h12
